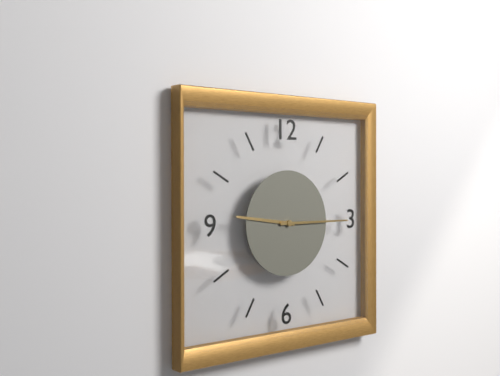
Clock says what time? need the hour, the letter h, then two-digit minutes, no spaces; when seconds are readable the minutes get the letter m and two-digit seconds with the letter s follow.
9h15
